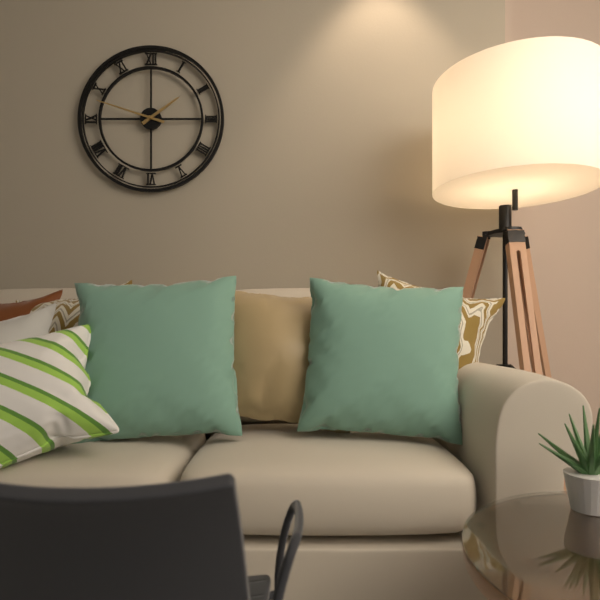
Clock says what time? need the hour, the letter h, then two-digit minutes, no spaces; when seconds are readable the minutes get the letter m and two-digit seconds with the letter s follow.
1h48
